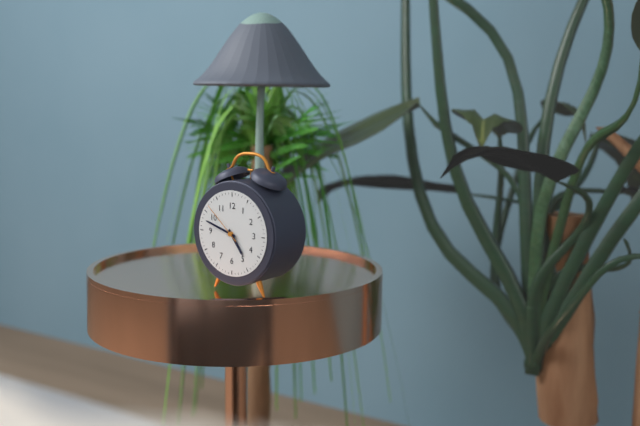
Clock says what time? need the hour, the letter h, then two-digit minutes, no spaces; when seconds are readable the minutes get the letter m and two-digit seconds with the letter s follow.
4h48
